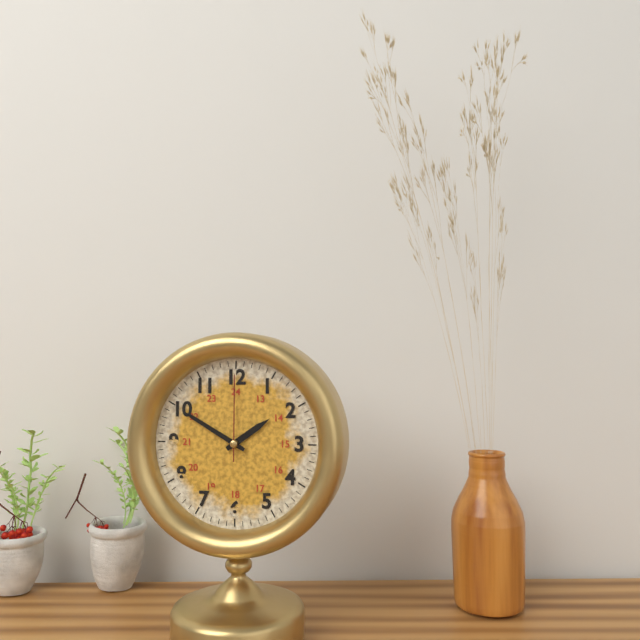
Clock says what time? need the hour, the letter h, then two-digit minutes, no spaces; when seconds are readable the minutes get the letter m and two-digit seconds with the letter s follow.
1h50m00s
